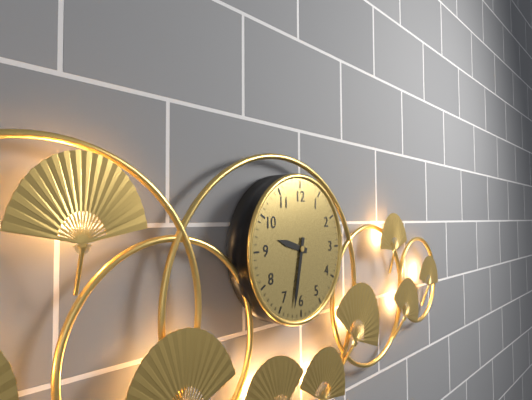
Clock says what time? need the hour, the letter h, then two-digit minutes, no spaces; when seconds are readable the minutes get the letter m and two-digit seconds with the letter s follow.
9h32
